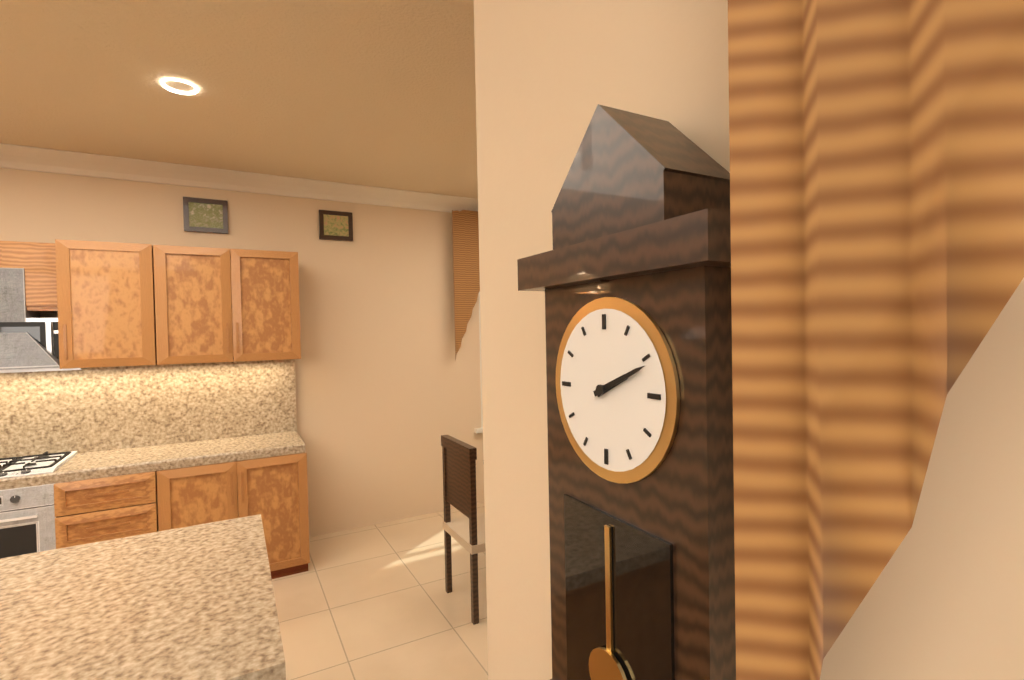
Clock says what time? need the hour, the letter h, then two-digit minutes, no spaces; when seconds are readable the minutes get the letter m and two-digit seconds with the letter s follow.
2h11
